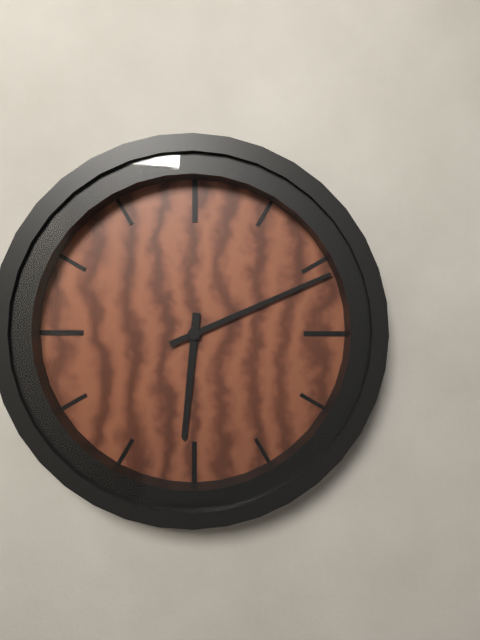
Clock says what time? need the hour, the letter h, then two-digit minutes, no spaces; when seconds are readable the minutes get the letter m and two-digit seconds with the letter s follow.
6h11
